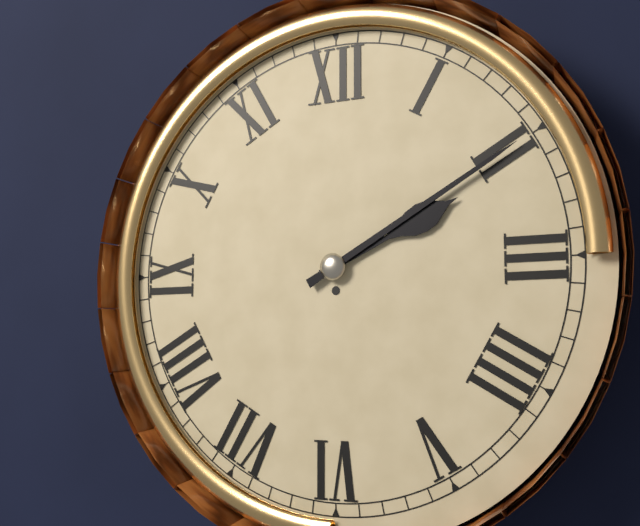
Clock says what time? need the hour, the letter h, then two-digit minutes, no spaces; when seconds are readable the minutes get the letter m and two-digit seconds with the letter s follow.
2h10
